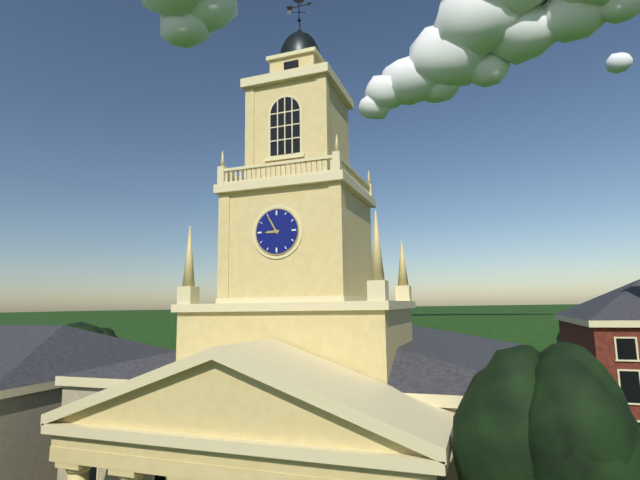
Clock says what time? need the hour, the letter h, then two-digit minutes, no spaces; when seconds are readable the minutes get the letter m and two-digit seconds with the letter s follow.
8h55
